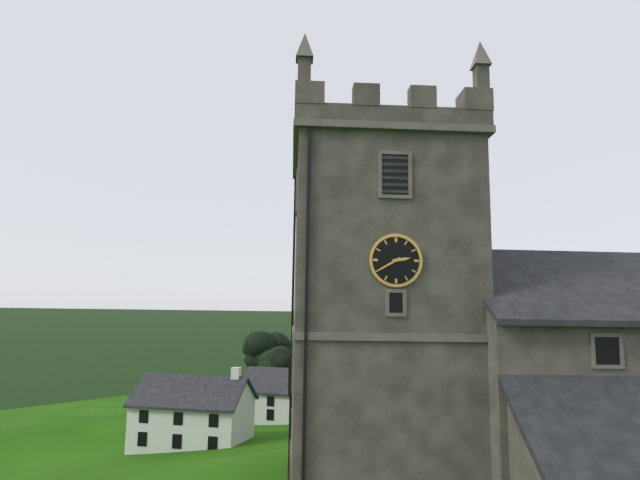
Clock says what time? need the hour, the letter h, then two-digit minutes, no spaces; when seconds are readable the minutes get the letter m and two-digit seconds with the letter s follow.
2h40
